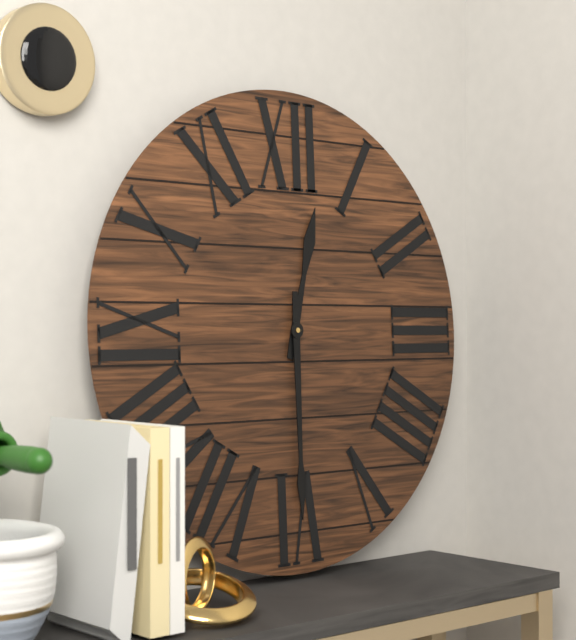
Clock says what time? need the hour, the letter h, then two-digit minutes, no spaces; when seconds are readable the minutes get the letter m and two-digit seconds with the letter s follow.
12h30
